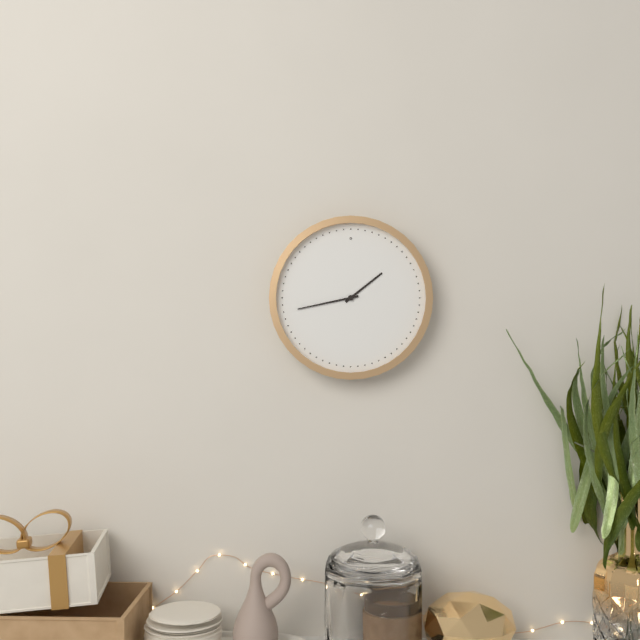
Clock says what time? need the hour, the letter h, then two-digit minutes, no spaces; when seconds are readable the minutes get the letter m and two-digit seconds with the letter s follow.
1h43
